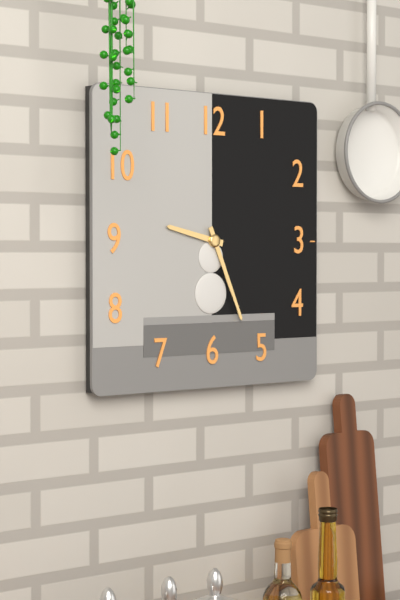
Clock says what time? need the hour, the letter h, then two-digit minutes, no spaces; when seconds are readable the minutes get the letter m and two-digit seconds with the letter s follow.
9h26
